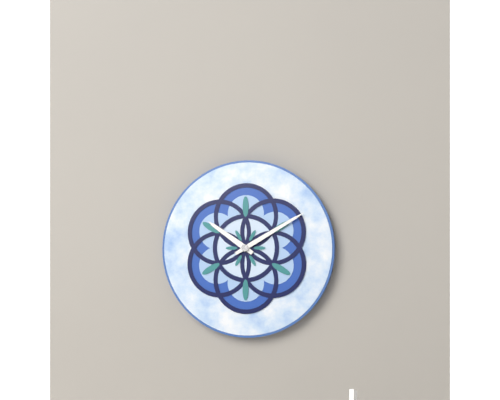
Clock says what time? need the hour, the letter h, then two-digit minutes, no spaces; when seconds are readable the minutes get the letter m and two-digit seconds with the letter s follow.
10h10
